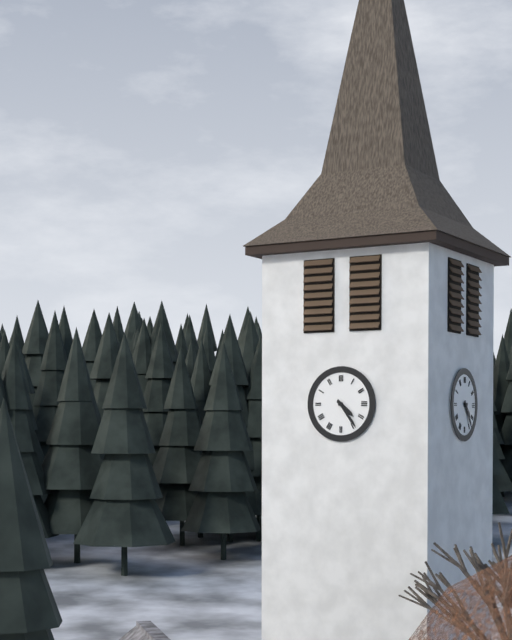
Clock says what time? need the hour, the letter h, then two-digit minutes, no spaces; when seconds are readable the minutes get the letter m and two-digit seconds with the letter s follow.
4h24
